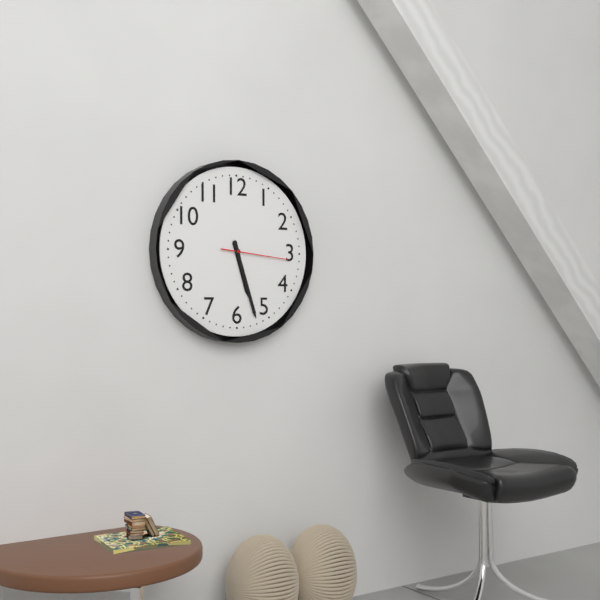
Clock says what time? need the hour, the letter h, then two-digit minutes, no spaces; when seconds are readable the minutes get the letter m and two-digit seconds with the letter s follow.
5h27m16s
